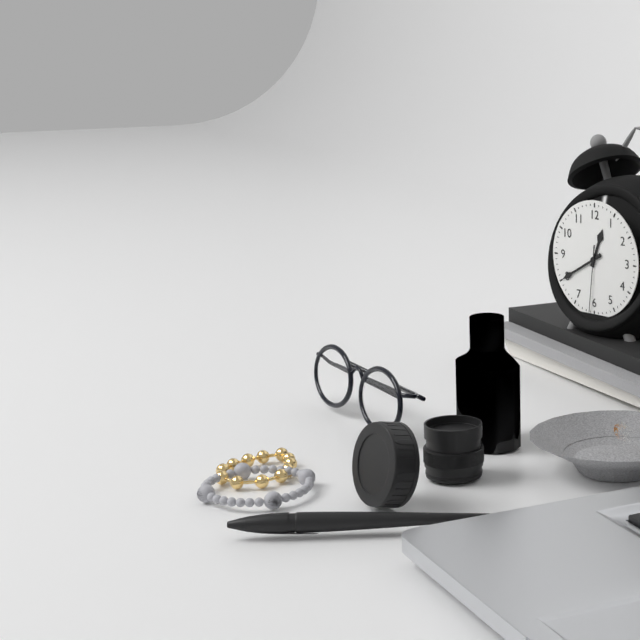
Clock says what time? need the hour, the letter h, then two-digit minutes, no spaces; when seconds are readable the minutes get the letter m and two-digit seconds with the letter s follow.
12h40m31s
